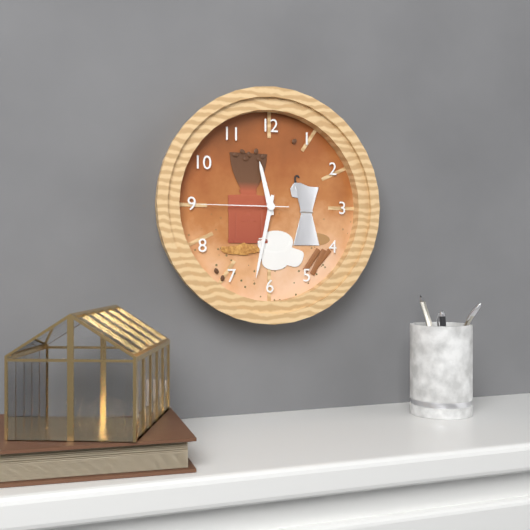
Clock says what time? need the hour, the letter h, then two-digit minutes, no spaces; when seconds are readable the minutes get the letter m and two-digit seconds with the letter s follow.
11h32m45s
